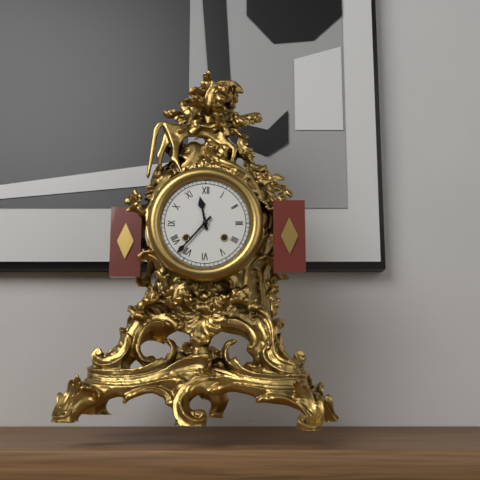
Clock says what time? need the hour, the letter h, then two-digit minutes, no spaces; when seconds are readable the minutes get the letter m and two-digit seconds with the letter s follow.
11h37
